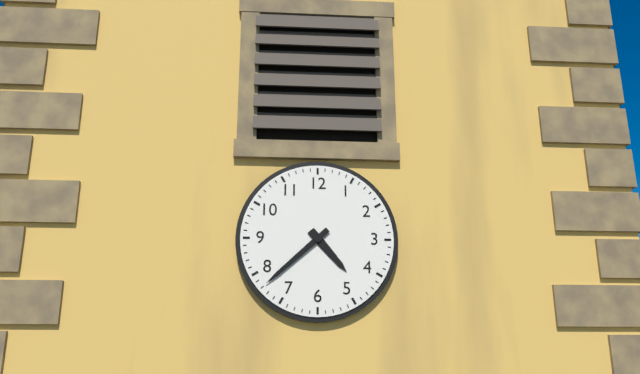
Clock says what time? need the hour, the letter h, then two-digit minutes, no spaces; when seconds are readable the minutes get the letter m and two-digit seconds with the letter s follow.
4h38
